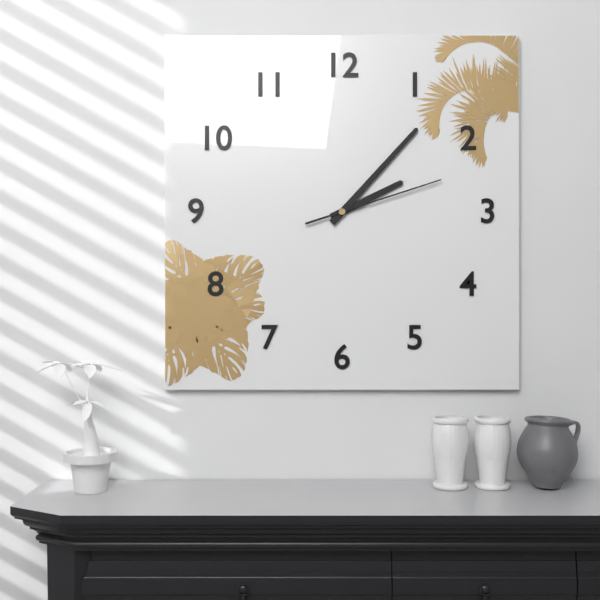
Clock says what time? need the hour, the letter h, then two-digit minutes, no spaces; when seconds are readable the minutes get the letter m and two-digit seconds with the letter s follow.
2h07m12s
